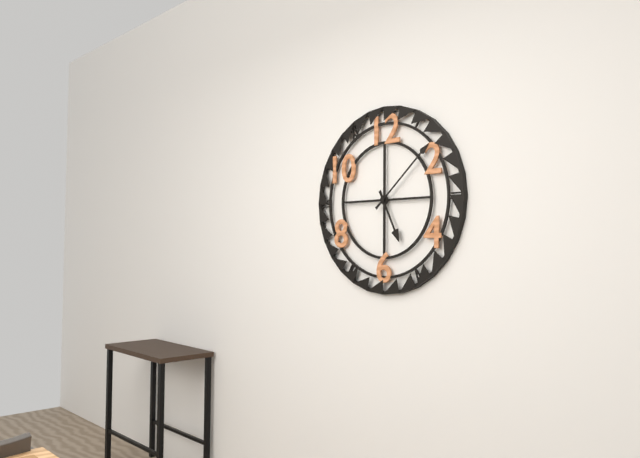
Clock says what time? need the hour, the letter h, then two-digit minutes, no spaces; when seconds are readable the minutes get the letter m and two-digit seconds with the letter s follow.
5h08
